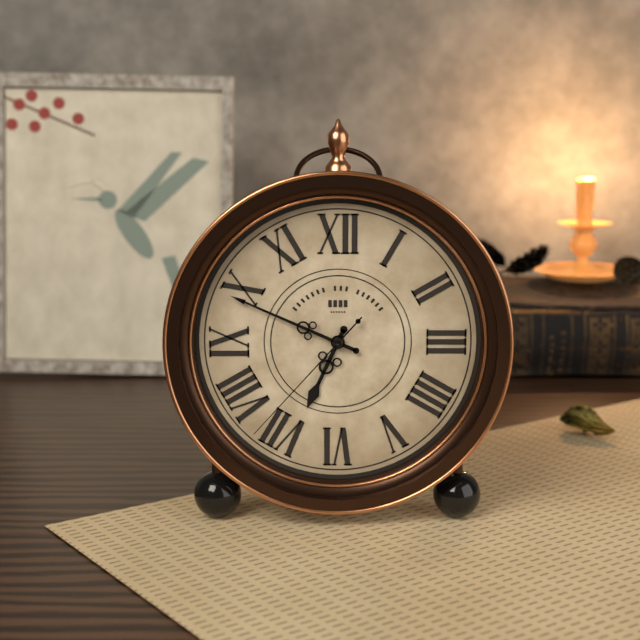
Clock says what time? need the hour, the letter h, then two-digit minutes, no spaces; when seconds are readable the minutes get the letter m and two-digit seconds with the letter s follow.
6h49m37s
